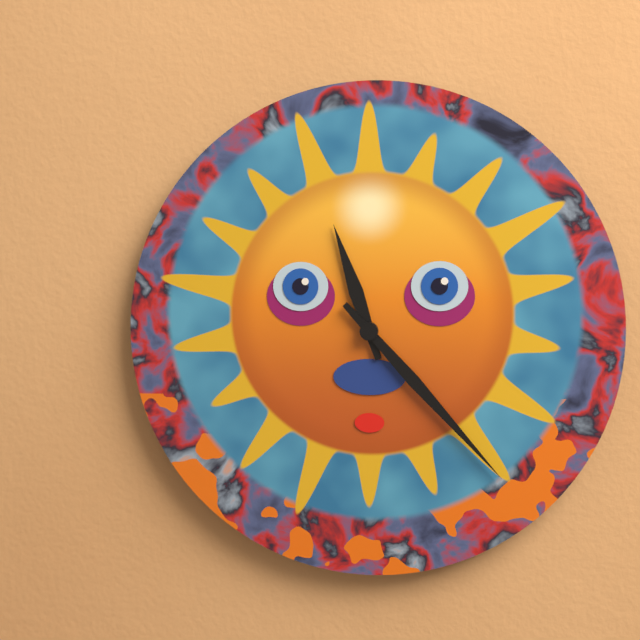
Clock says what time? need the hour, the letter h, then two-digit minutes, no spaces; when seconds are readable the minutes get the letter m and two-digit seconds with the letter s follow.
11h23
